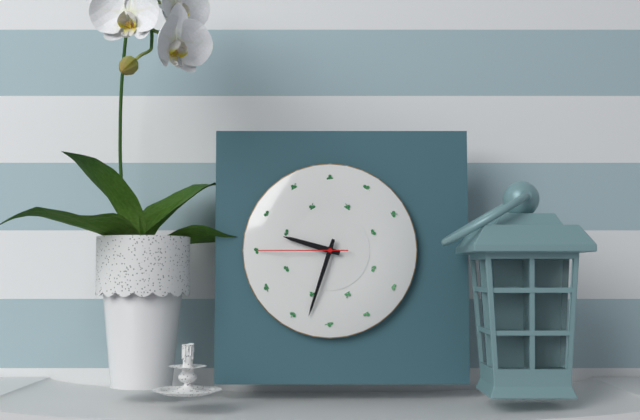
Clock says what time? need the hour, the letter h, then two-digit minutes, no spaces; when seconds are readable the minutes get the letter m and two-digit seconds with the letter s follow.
9h33m45s
